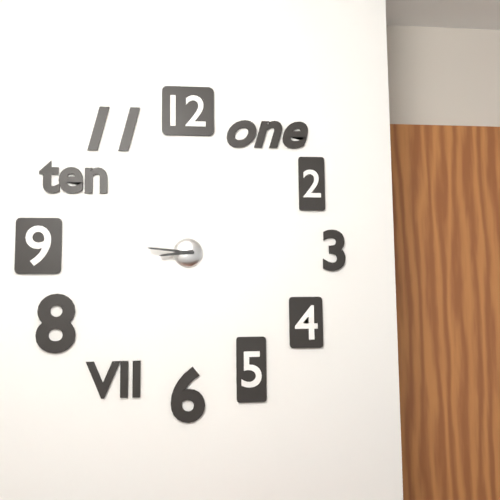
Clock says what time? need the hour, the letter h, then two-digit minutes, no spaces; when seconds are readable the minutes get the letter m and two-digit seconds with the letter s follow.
8h46
